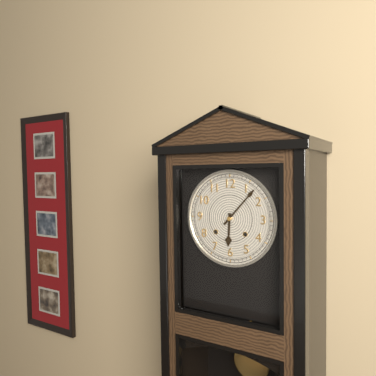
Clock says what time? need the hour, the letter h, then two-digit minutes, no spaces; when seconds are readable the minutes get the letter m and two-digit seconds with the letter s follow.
6h07
